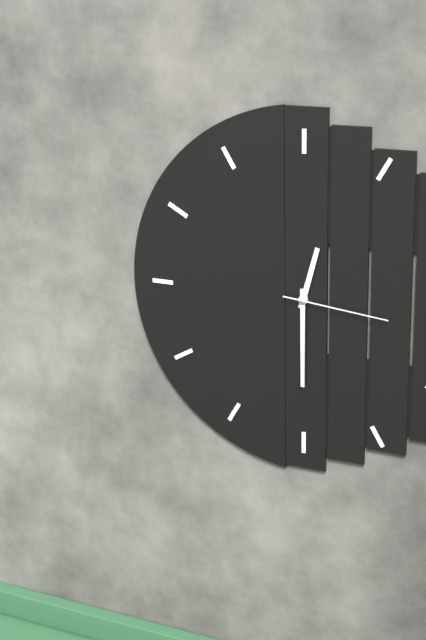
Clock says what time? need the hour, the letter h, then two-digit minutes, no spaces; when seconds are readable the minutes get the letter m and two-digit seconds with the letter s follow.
12h30m16s
